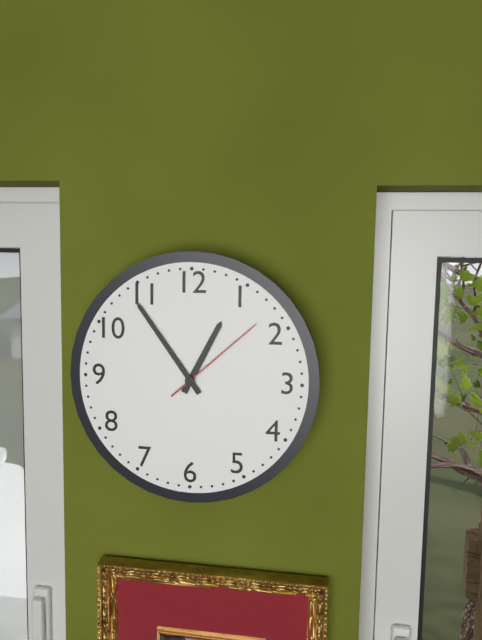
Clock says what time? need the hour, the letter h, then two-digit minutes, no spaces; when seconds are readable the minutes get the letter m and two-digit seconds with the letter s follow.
12h54m08s
